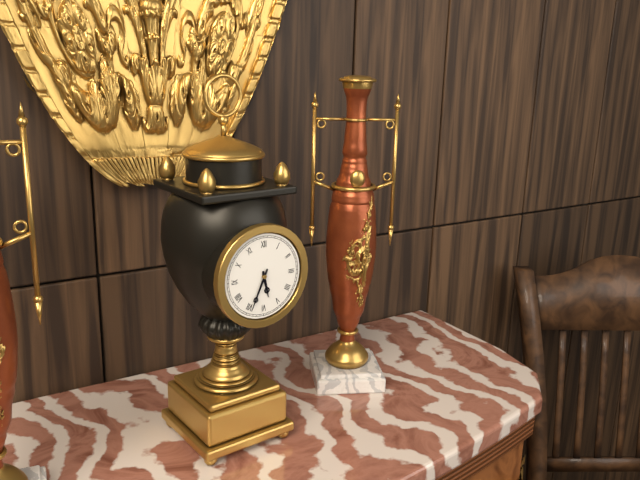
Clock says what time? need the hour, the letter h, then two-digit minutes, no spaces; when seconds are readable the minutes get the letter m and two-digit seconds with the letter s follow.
5h34
